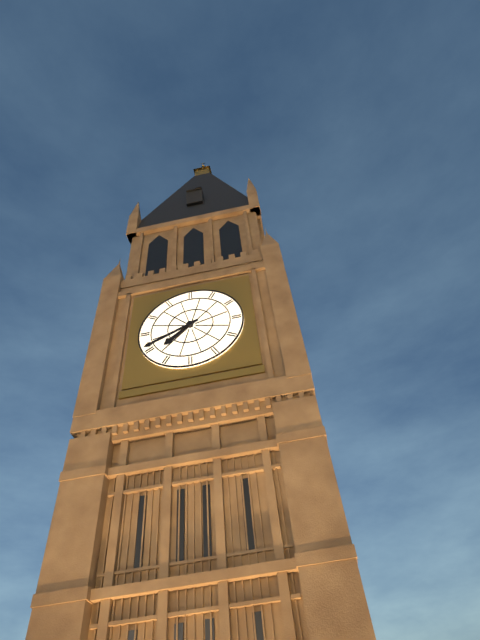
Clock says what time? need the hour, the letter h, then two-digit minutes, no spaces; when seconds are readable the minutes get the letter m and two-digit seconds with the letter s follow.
7h41
